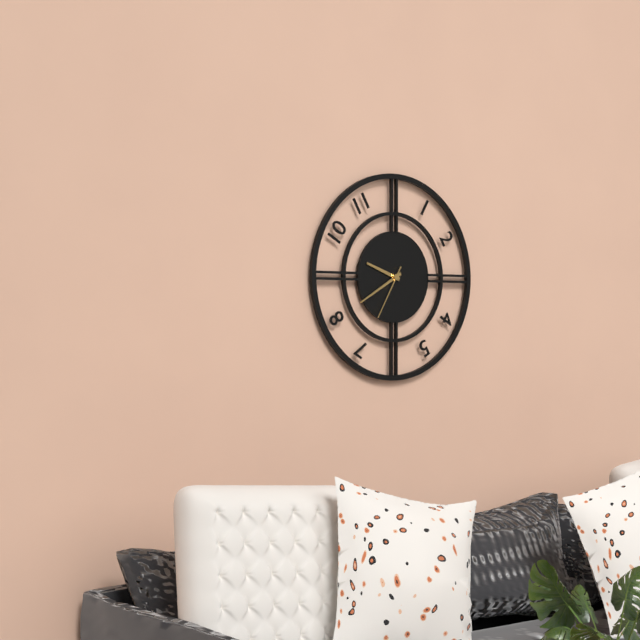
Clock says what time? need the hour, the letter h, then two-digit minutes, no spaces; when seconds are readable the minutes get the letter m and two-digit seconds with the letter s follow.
9h40m35s
